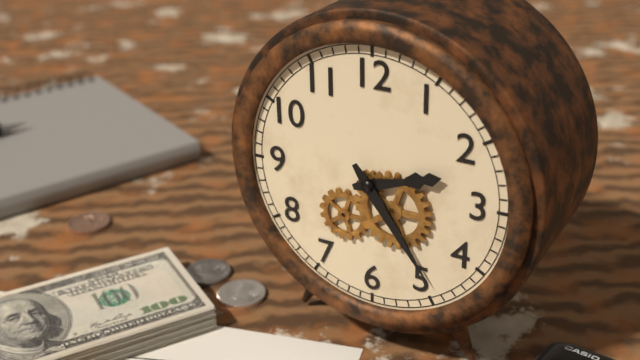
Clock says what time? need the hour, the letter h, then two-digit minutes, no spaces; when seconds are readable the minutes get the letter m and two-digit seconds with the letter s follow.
2h24
